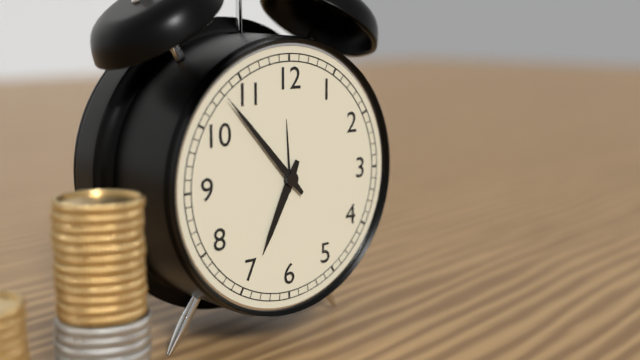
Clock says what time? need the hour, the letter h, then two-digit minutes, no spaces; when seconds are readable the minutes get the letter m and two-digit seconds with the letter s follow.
6h53
